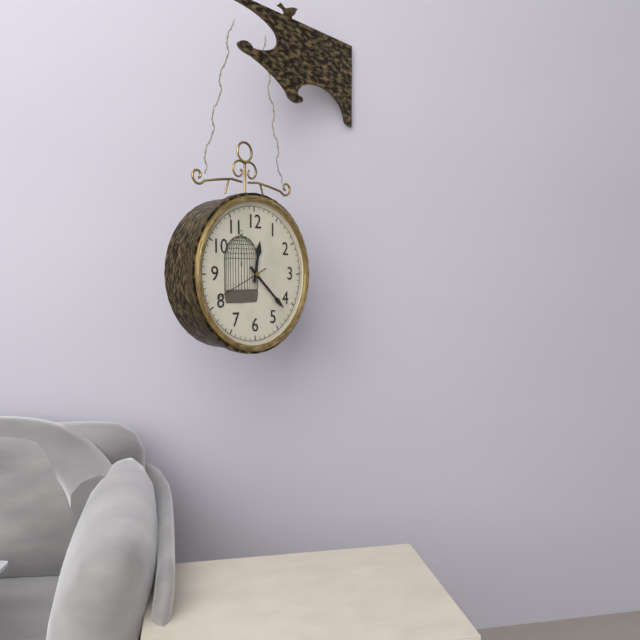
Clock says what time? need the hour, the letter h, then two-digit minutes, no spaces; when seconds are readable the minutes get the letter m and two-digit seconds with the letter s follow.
12h22m41s
